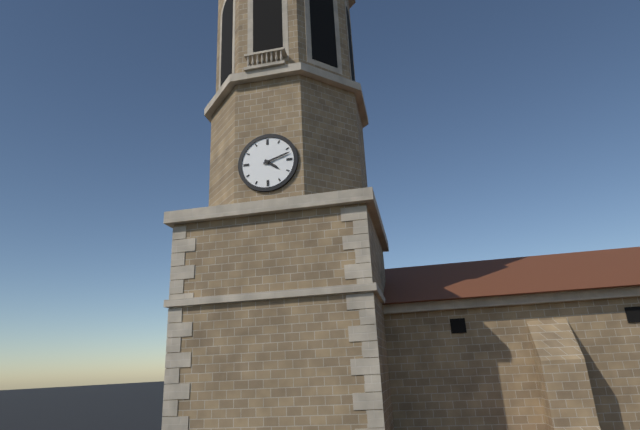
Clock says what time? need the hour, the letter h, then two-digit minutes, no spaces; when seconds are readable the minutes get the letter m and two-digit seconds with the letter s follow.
4h12
